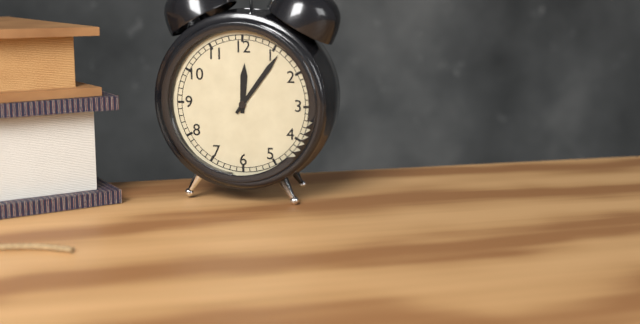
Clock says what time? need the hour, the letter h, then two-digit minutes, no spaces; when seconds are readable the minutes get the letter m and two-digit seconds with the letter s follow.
12h06
